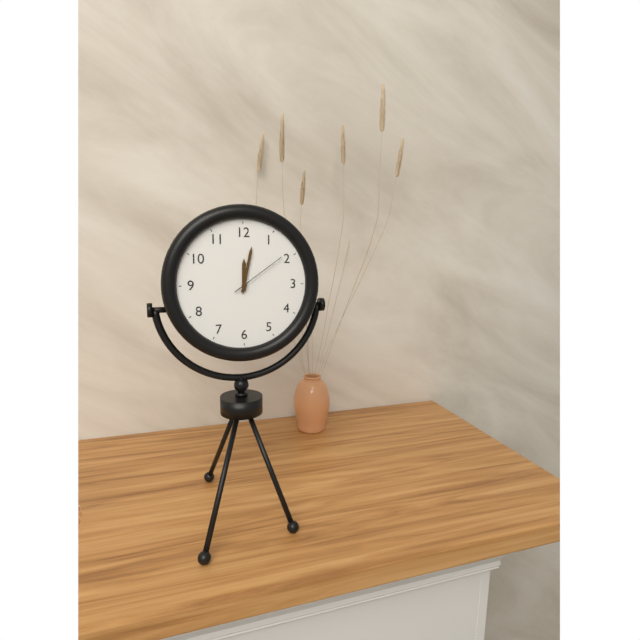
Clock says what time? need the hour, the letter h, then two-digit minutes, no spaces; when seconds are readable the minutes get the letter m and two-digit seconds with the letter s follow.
12h02m09s
